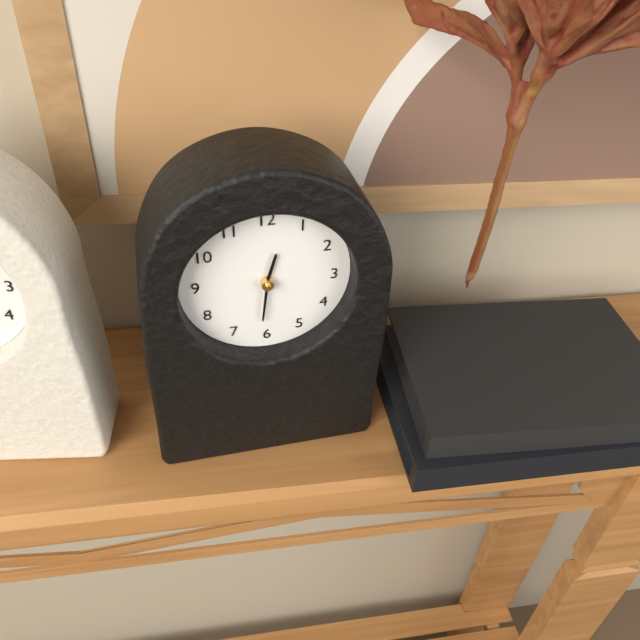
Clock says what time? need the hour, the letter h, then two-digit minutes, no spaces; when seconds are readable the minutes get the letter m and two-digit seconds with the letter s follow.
12h31
